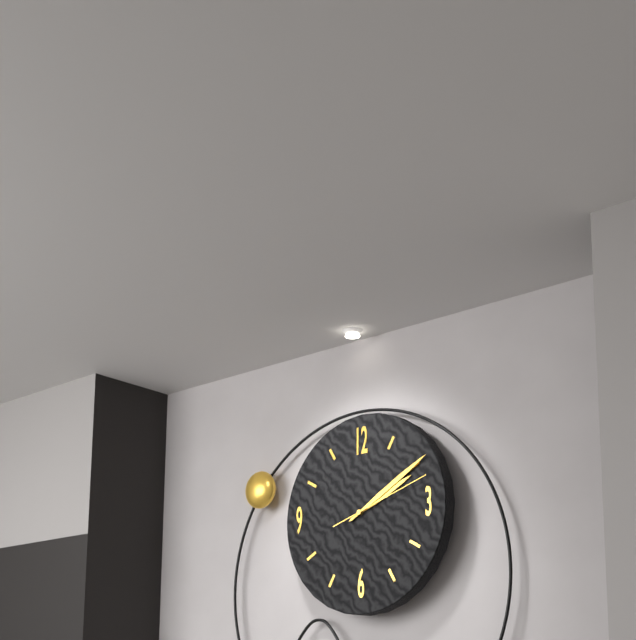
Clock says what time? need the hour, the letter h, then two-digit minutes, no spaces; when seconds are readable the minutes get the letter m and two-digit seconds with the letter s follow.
2h10m12s
